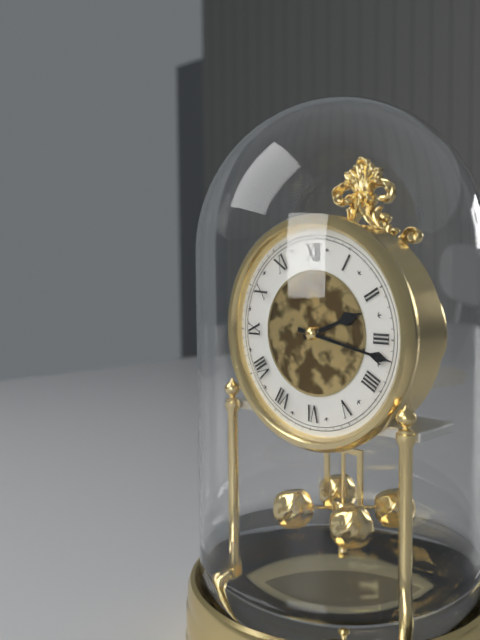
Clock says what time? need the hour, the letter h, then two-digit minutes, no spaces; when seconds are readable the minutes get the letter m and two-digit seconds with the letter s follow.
2h17
